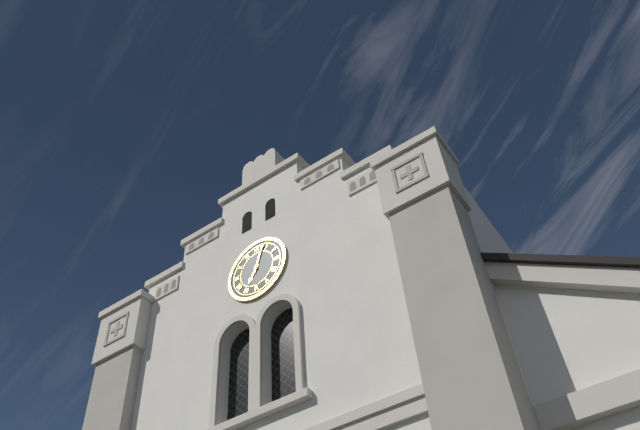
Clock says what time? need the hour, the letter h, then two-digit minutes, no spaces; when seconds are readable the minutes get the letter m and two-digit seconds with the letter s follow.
7h03
